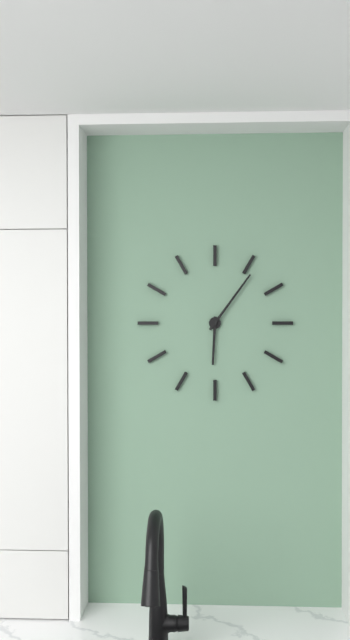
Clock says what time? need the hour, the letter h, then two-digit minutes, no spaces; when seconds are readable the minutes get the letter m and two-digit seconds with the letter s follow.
6h06
